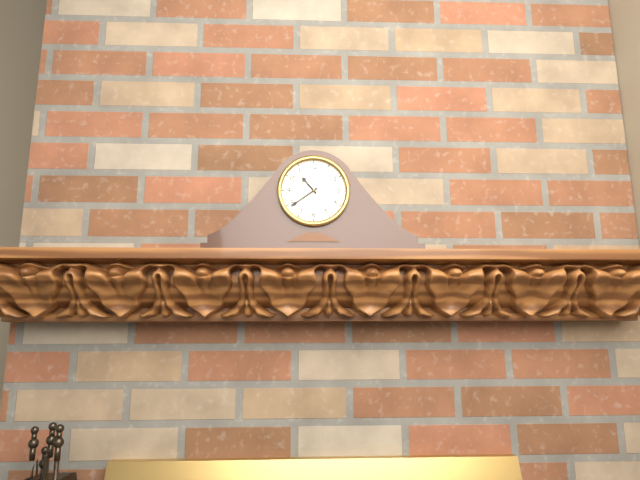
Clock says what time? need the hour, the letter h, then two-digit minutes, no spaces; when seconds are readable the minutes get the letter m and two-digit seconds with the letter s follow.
10h39
